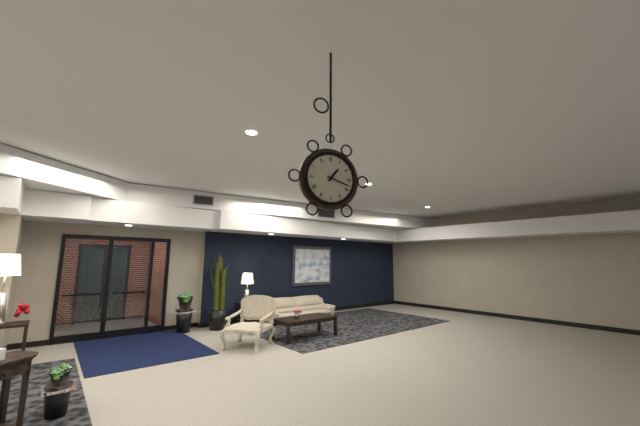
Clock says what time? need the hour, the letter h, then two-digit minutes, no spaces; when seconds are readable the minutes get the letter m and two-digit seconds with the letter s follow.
1h18
